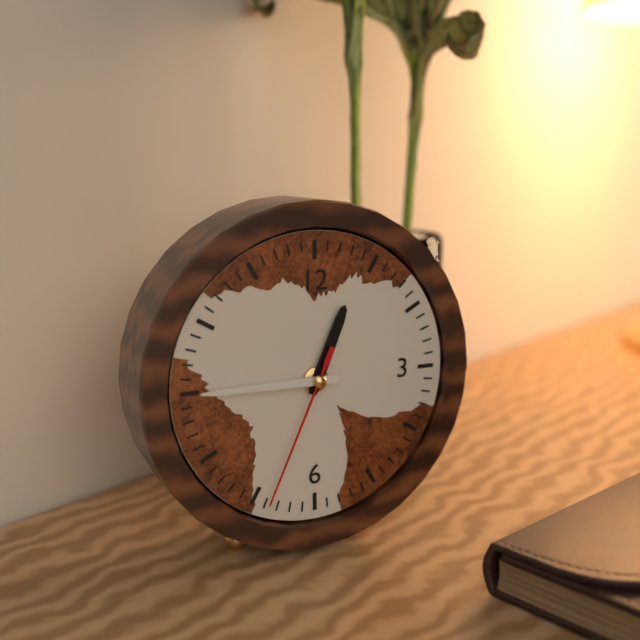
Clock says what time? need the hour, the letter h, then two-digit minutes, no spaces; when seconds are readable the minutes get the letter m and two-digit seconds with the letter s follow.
12h45m34s
